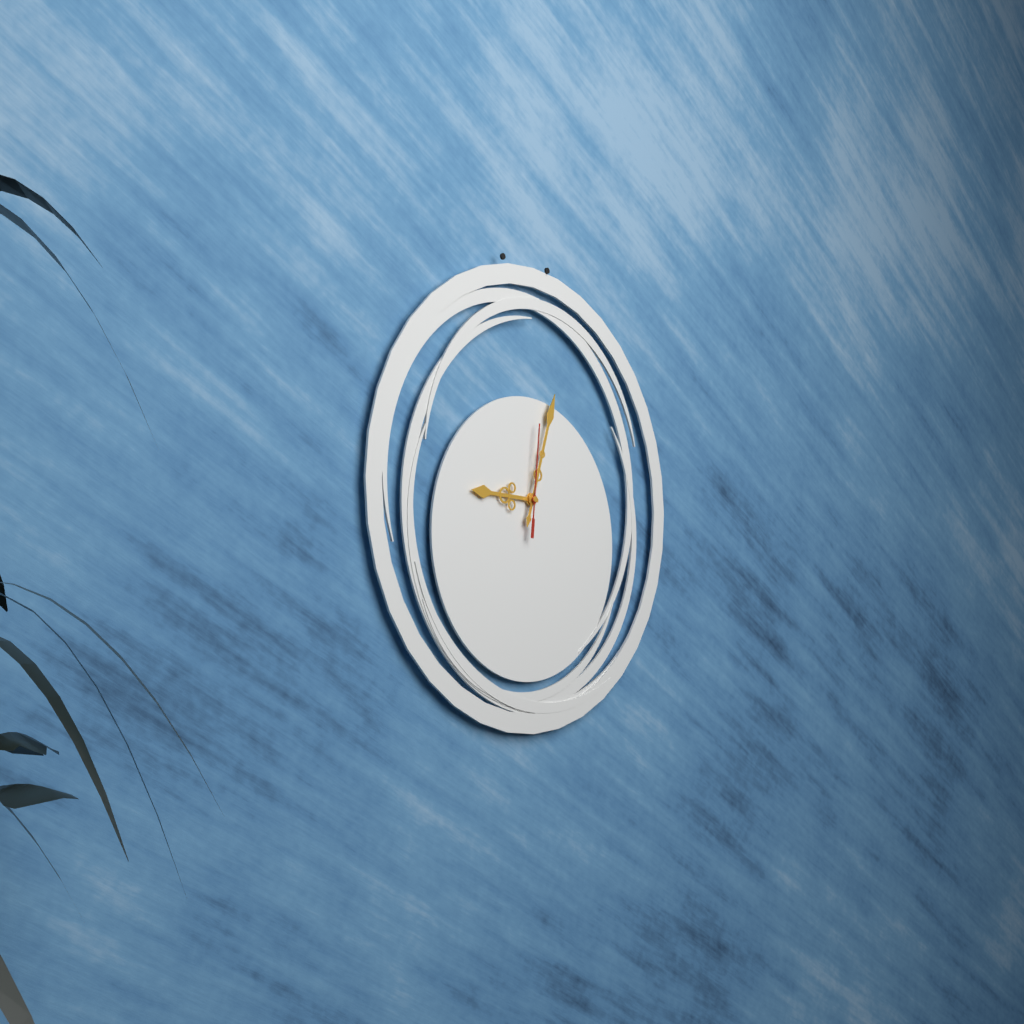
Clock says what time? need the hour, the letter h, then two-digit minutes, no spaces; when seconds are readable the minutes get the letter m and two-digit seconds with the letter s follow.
9h03m01s
